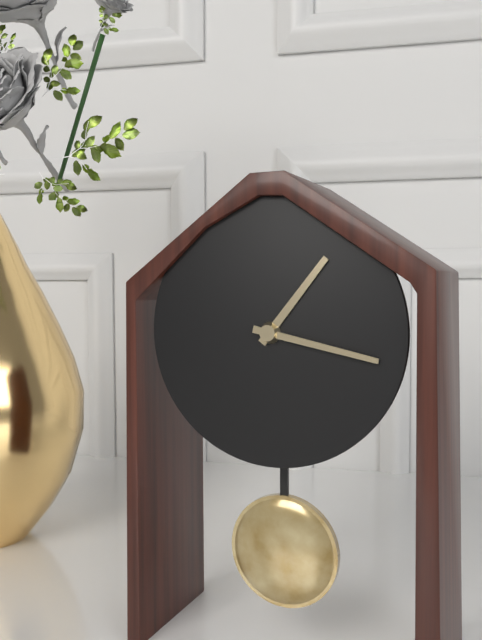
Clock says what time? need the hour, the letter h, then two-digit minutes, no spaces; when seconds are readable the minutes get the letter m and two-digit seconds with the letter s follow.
1h17
